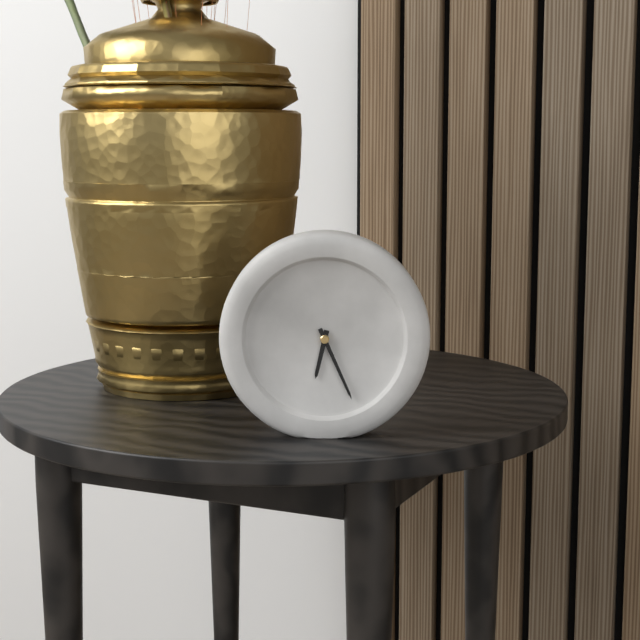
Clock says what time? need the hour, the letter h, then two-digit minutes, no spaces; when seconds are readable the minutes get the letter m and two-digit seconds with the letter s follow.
6h26
